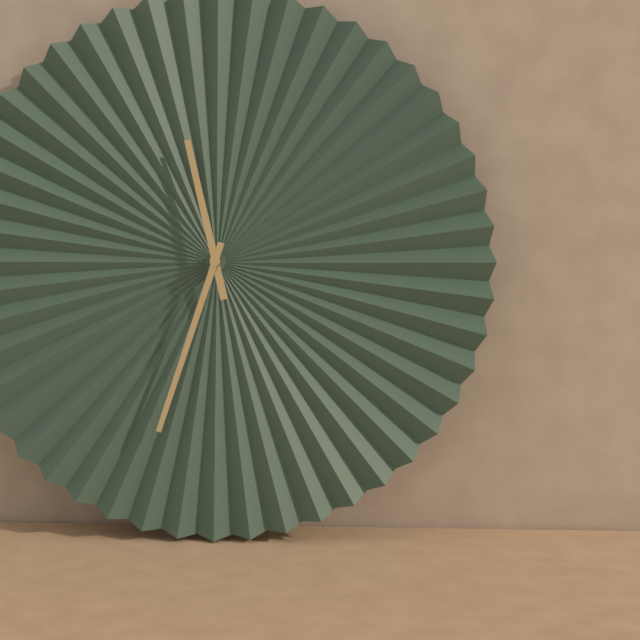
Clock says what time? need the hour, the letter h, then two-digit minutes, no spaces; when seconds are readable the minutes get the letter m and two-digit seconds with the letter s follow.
11h33
